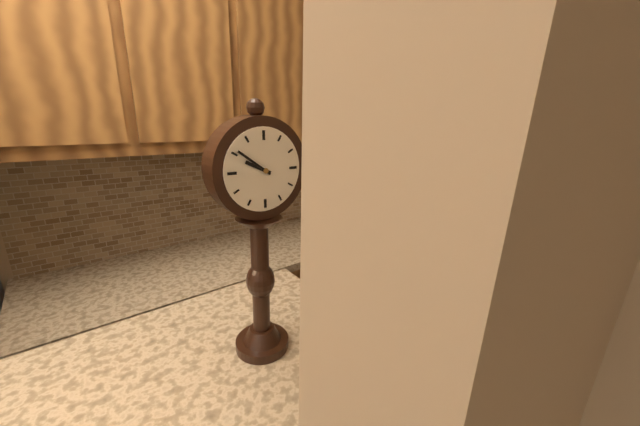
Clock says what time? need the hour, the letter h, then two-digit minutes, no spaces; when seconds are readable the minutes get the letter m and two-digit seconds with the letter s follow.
9h51
